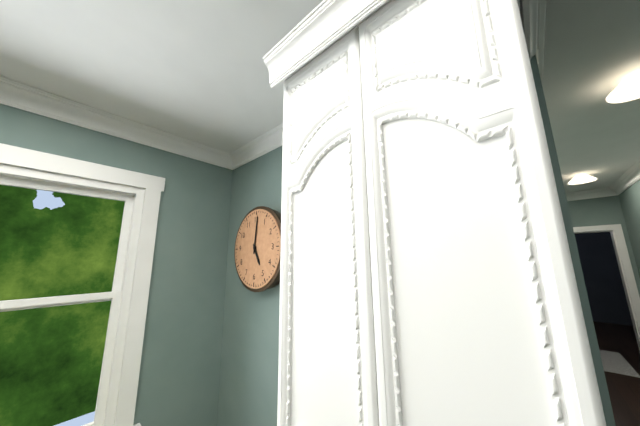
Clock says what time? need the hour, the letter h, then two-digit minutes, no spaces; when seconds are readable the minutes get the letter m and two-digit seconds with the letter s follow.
5h01
